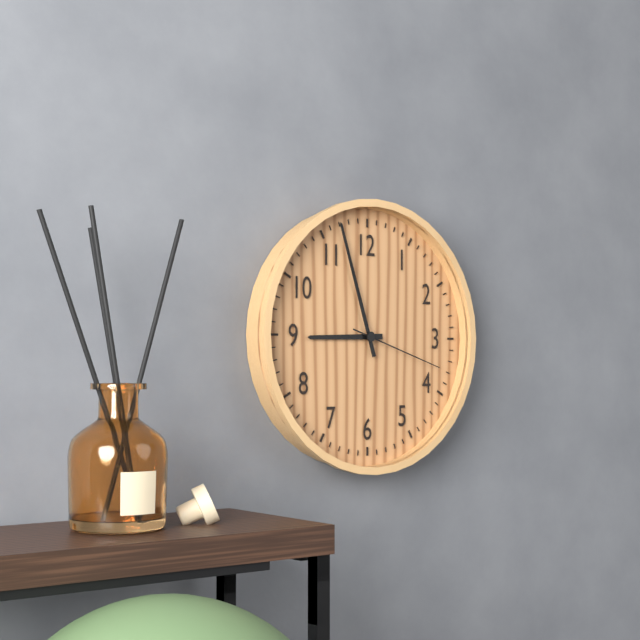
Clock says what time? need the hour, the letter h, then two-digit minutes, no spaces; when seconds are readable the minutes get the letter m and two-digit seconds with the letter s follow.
8h57m18s
